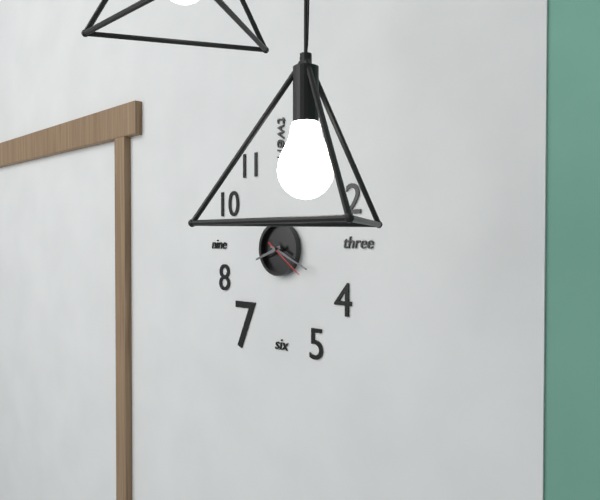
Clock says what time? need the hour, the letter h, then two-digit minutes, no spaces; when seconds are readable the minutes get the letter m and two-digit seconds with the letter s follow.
8h19
